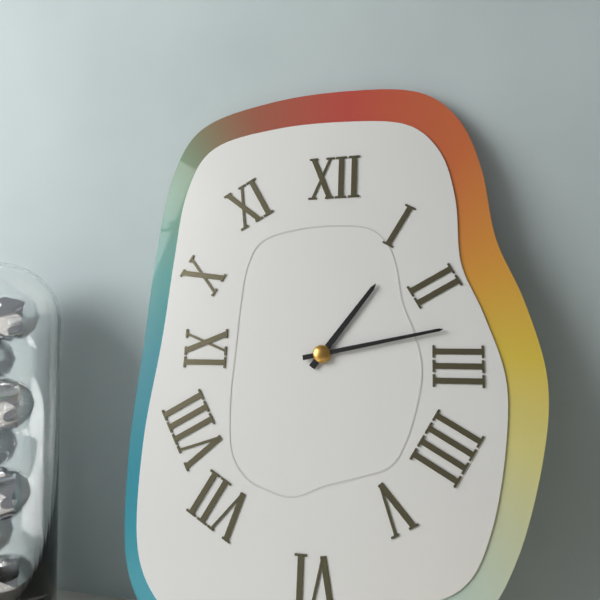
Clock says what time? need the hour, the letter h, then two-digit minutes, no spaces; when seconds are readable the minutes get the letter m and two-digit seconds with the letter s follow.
1h13
